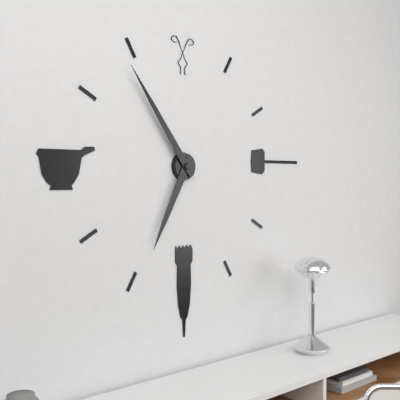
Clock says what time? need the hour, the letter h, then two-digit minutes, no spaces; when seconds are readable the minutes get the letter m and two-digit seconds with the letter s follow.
6h54
